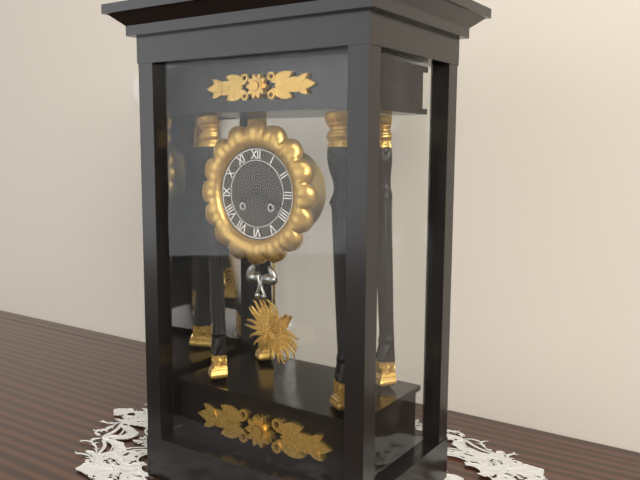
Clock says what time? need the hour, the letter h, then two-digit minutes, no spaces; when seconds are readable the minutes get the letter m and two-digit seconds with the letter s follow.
8h18
